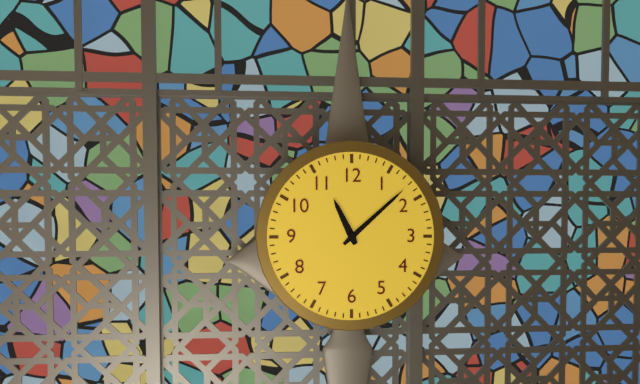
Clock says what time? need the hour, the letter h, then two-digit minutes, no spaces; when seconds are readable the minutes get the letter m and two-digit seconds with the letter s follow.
11h08
